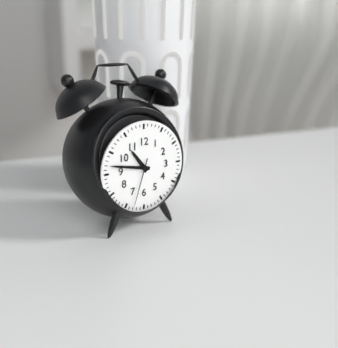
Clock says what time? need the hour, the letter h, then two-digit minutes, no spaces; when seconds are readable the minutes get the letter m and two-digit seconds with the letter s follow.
10h47m33s
